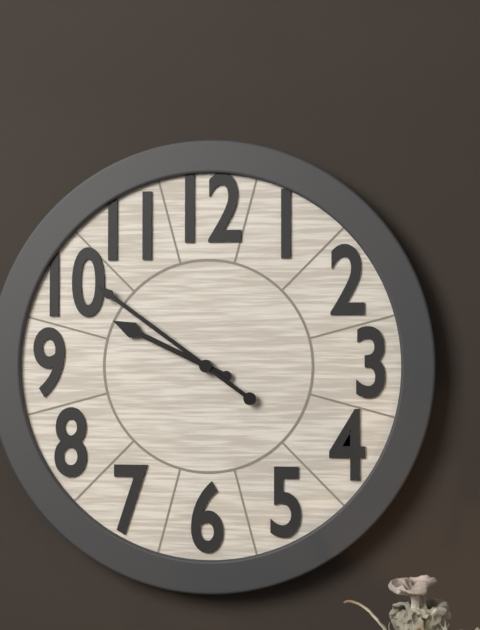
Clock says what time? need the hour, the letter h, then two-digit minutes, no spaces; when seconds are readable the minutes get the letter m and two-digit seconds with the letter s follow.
9h51
